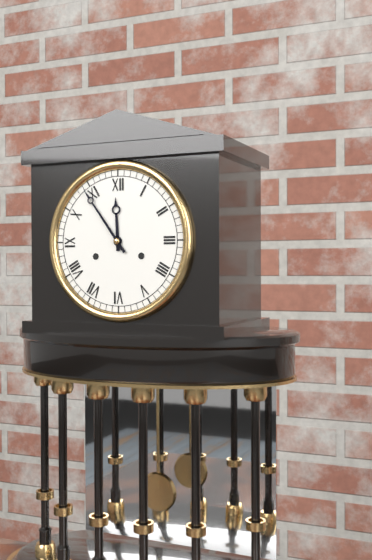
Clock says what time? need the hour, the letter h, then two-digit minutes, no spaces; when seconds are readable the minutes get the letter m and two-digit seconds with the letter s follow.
11h54
